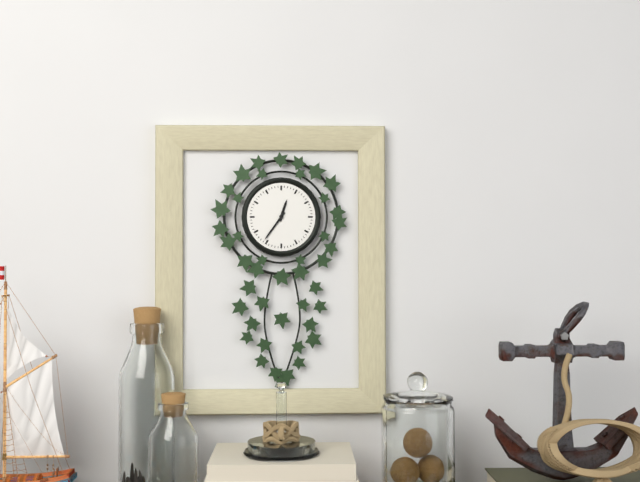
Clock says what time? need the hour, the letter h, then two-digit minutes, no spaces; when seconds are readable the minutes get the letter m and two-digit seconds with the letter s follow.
12h36
